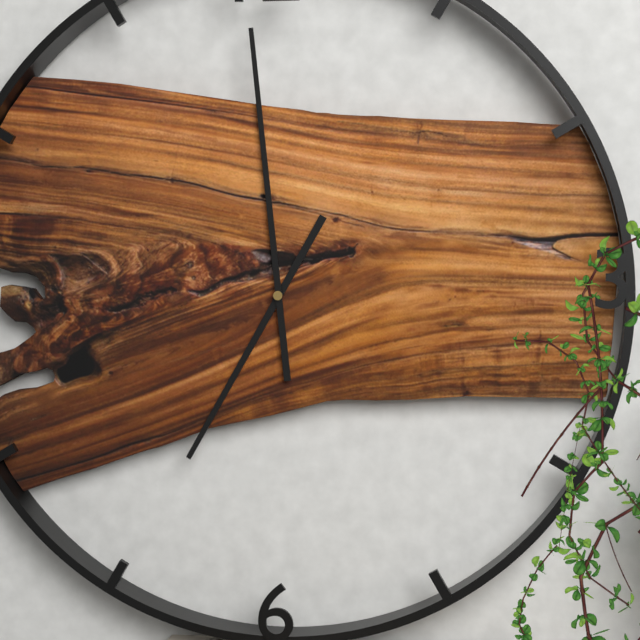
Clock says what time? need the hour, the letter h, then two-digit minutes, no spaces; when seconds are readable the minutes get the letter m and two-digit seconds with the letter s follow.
6h59
